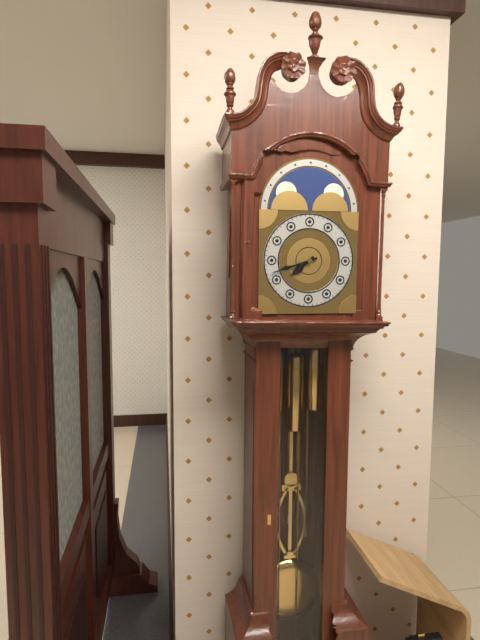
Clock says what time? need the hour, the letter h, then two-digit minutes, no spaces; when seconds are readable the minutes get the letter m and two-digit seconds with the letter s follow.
7h42
